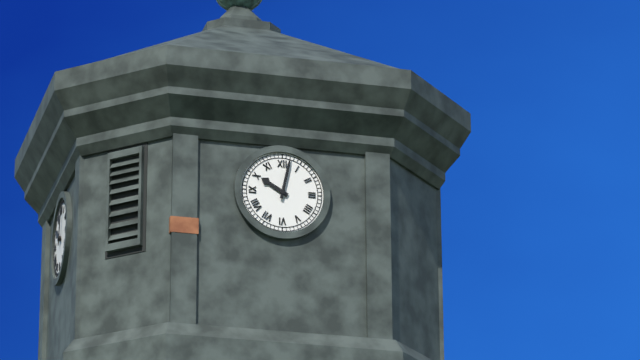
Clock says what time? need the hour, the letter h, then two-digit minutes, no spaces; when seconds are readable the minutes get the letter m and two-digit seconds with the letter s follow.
10h02
